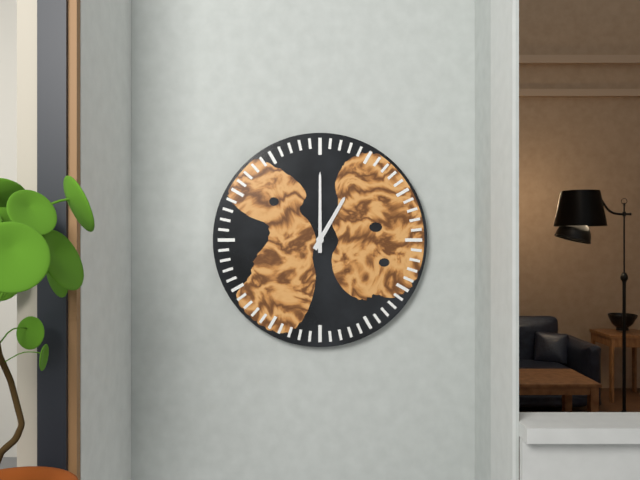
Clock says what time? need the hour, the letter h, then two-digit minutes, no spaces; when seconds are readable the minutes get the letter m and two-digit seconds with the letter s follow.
1h00
